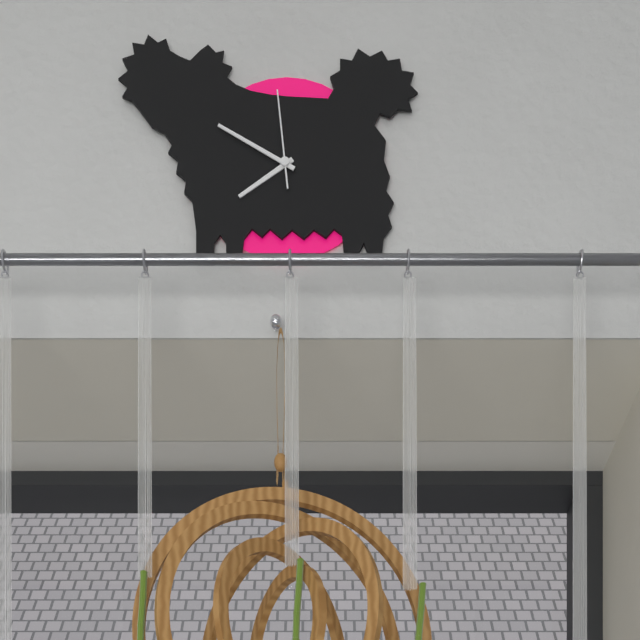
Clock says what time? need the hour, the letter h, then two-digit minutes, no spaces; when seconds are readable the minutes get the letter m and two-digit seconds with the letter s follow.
7h50m59s
